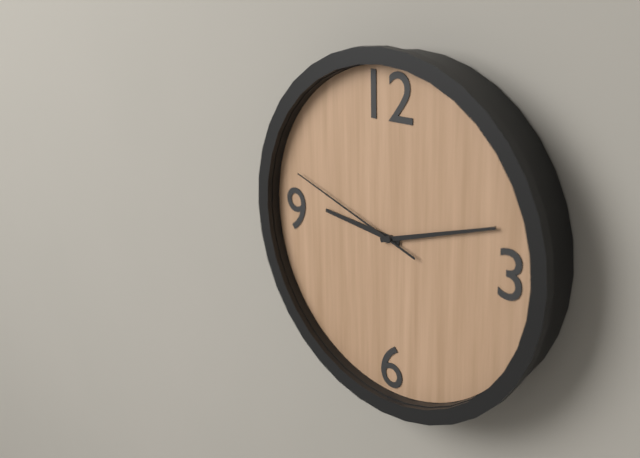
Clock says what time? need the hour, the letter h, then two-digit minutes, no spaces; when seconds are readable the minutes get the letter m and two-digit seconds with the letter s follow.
9h12m48s
